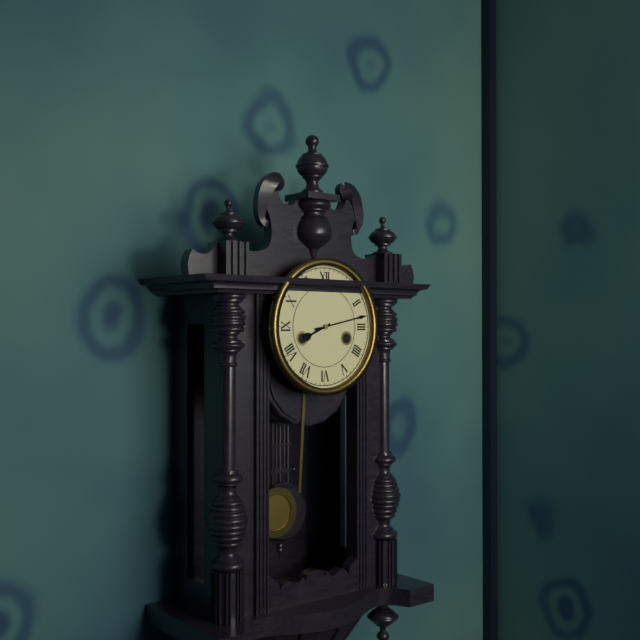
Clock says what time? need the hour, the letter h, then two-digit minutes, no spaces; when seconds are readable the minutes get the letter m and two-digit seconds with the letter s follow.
8h13
